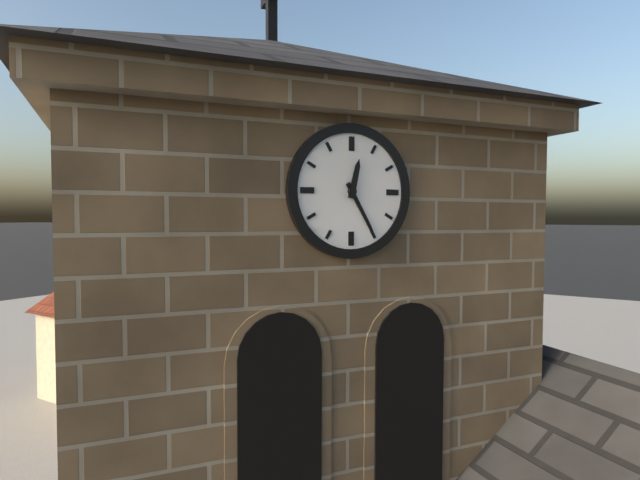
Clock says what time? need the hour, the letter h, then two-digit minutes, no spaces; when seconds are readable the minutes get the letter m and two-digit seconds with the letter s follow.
12h25
